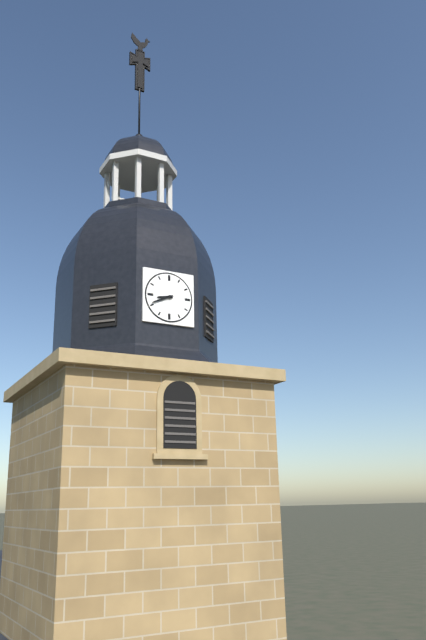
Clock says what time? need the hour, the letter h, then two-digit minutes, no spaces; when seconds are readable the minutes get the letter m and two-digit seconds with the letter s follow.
8h41
